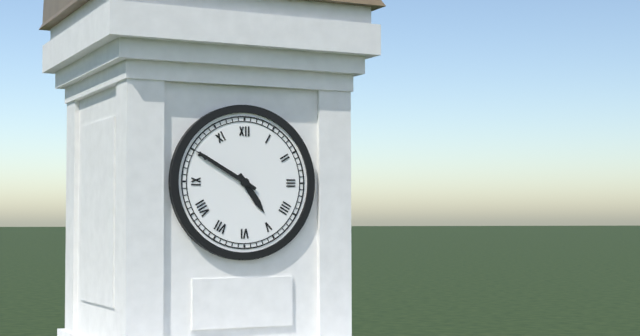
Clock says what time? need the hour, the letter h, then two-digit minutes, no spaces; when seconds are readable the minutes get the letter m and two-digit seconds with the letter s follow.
4h50
